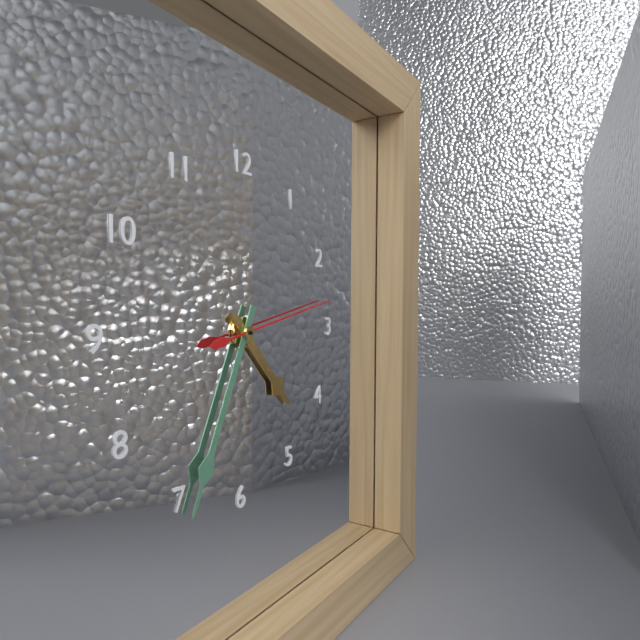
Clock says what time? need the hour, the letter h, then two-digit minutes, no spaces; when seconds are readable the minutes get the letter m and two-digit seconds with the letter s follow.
4h34m13s
